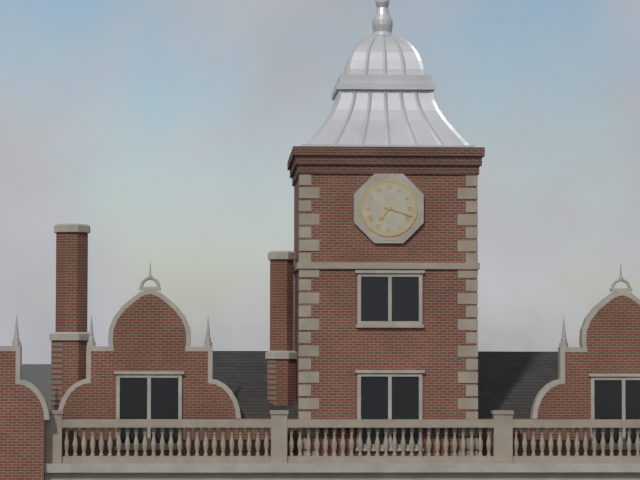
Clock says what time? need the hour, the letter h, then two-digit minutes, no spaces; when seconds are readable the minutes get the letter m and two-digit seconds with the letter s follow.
7h18
